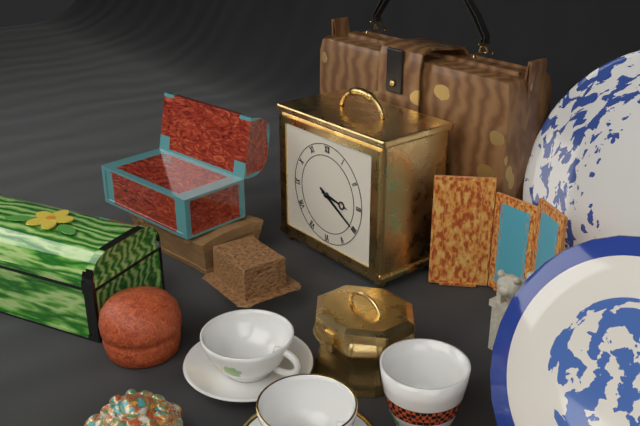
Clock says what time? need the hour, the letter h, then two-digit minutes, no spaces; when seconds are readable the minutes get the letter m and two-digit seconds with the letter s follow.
3h20
